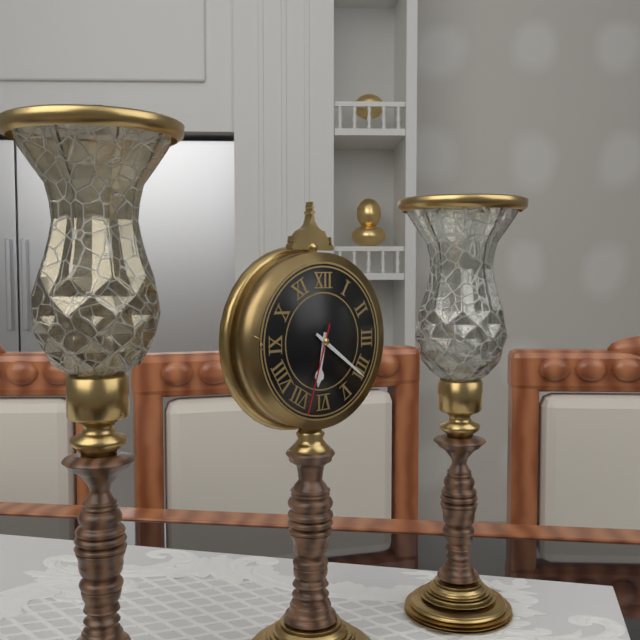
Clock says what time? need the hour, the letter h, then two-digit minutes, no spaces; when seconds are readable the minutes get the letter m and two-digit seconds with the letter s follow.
6h21m33s
